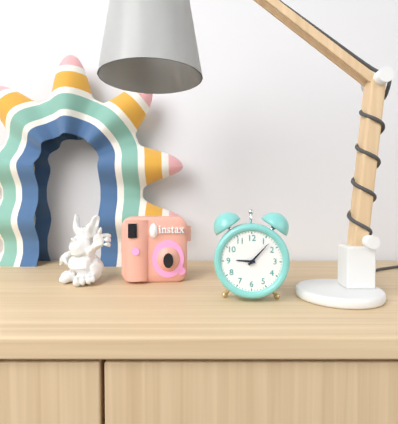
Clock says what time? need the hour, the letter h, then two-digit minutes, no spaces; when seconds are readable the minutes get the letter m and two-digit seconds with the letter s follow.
9h07
